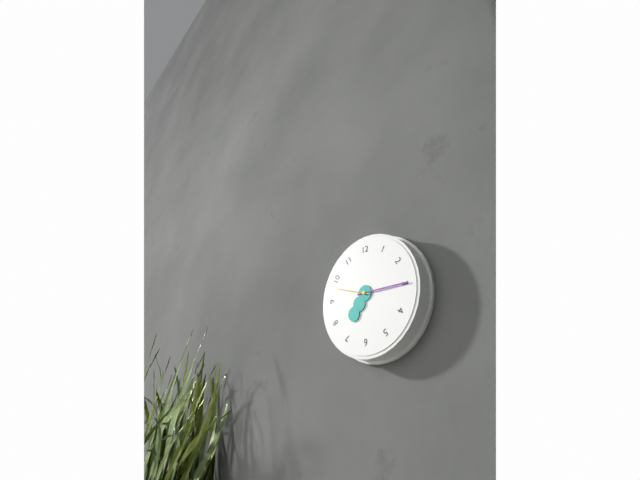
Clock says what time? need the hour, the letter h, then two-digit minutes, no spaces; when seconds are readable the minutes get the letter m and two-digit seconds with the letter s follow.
7h15m48s
